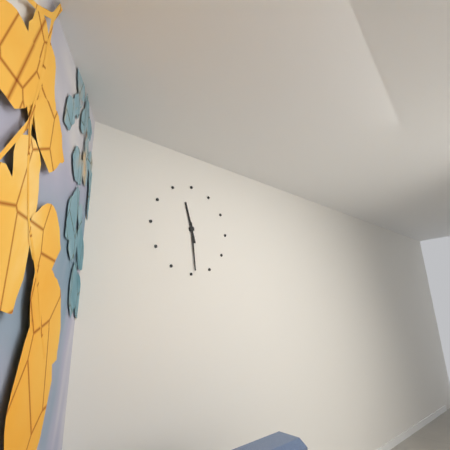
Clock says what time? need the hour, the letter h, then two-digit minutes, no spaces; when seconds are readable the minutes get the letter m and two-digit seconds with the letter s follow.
11h29
